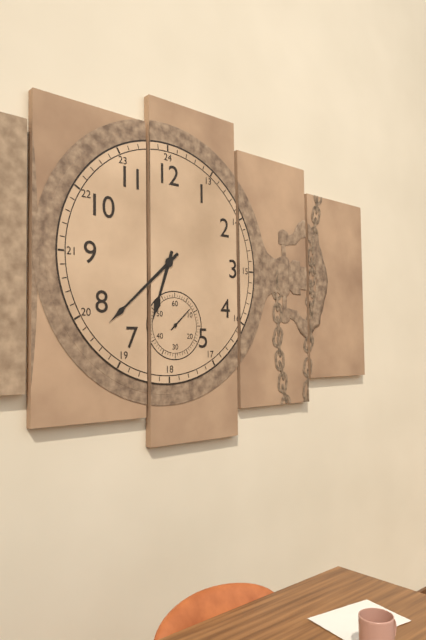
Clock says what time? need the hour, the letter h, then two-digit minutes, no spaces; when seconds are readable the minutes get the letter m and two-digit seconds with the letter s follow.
6h38
